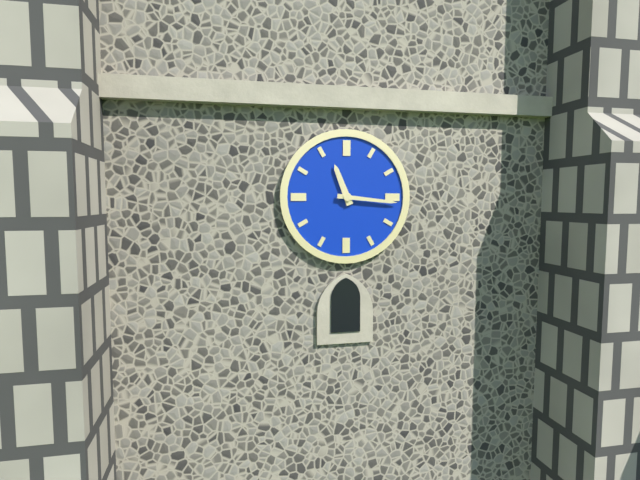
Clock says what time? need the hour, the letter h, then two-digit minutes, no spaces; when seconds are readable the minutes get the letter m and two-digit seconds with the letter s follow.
11h16
